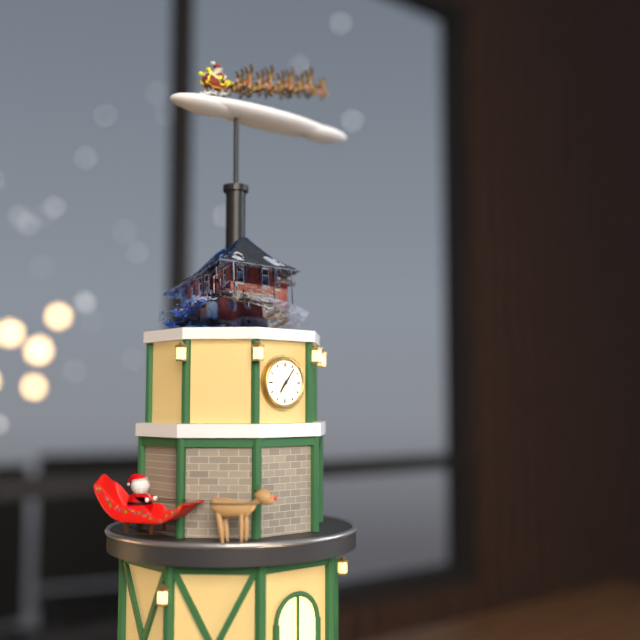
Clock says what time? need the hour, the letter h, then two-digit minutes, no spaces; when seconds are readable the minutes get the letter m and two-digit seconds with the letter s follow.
7h06
